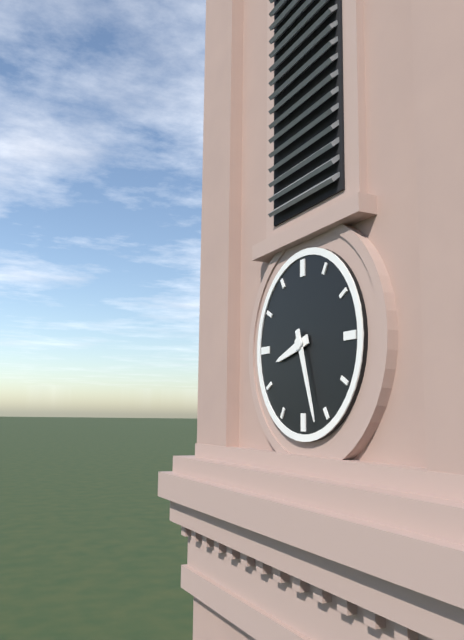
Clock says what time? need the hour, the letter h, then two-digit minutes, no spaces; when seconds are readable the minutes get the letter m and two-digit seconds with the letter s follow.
8h27
